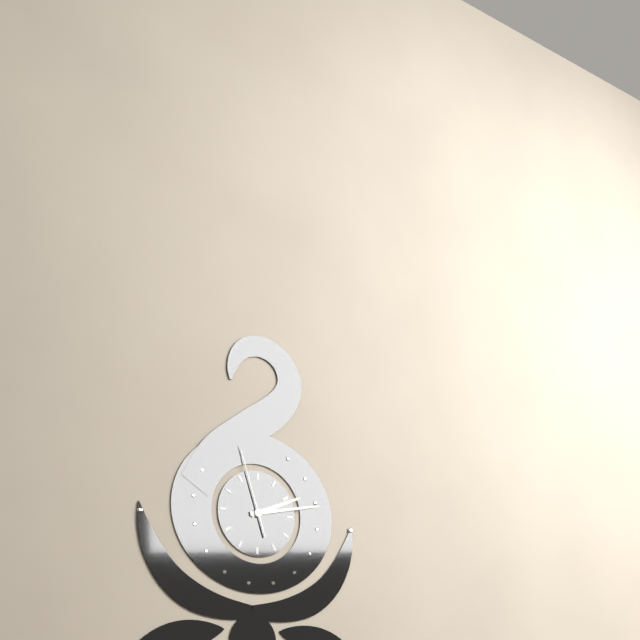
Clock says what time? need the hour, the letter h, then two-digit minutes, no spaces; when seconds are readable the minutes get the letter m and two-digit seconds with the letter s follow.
2h13m57s
